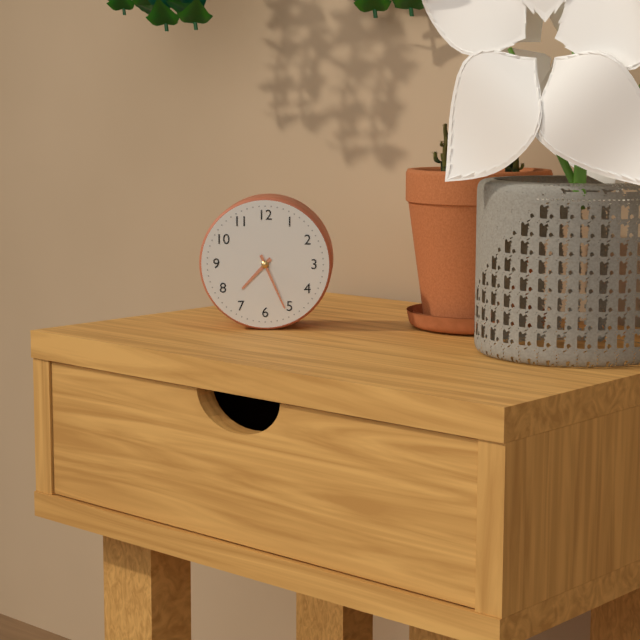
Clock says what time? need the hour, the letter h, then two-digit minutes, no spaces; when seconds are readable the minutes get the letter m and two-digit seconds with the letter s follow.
7h26
